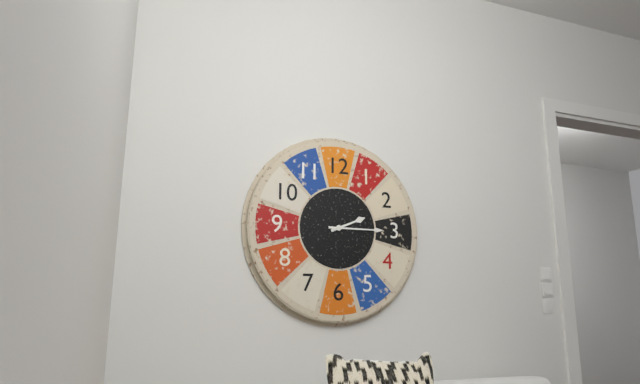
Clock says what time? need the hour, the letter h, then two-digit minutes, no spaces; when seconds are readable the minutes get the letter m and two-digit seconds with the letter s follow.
2h15
